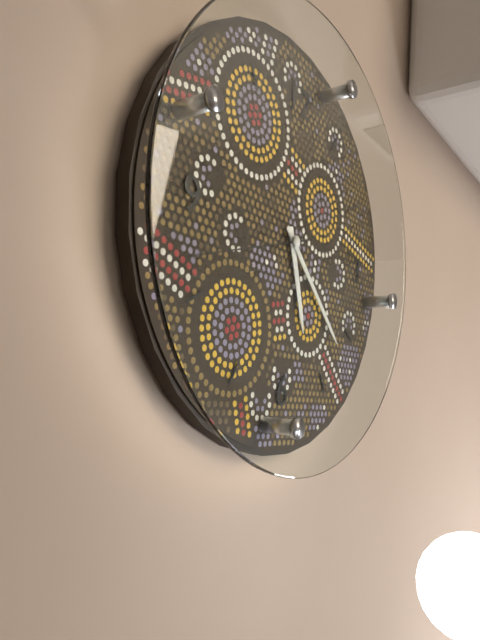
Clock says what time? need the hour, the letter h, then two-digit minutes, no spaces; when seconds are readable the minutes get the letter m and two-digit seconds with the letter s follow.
5h22m42s
